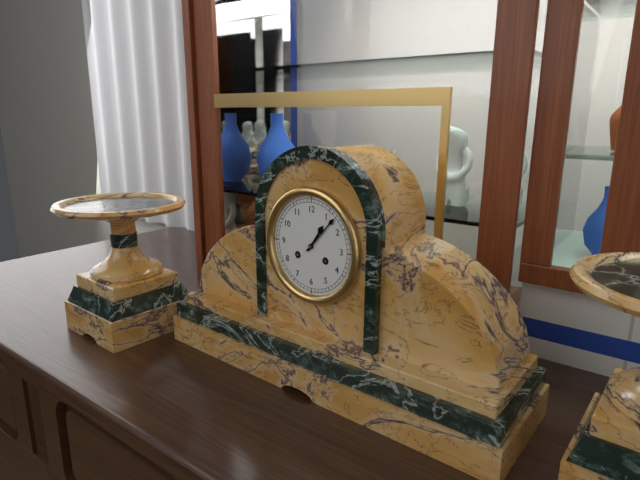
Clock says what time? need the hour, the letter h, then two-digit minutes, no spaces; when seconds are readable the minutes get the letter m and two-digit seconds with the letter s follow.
1h07
